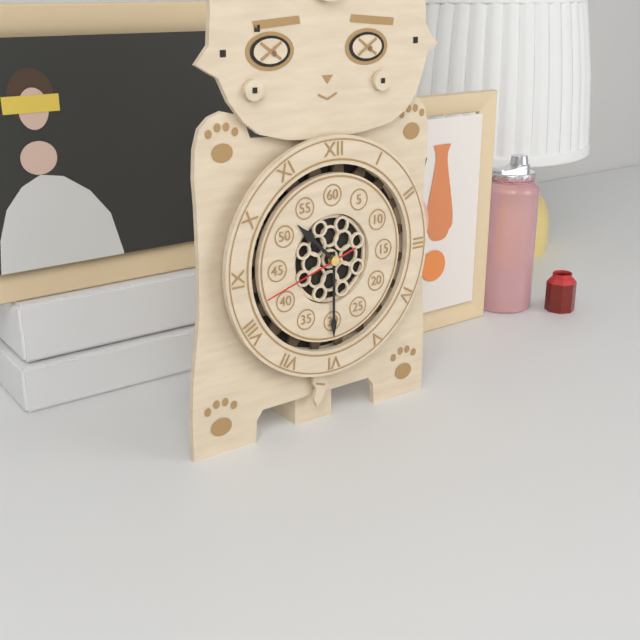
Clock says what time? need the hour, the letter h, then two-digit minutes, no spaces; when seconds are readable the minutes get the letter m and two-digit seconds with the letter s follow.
10h30m42s
